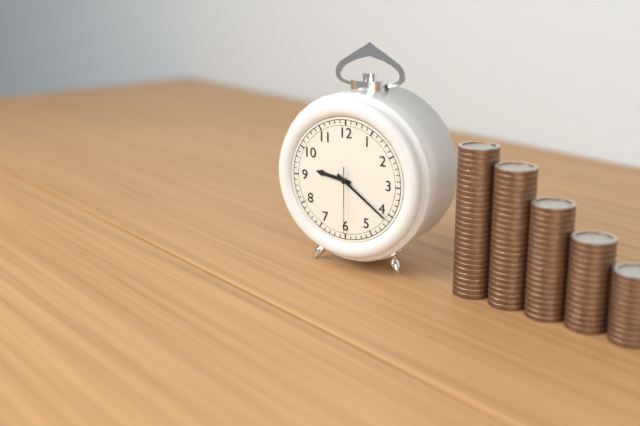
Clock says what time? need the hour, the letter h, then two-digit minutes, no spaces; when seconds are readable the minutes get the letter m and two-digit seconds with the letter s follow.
9h21m30s
